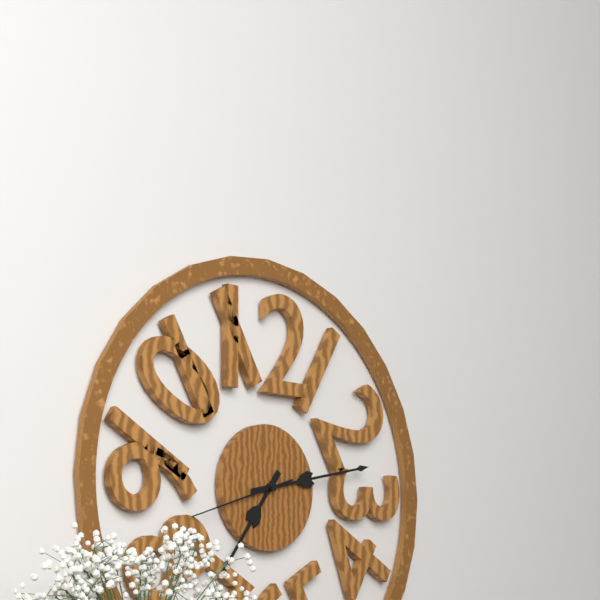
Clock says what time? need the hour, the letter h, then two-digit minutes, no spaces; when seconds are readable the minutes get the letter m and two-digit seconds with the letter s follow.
7h13m42s
